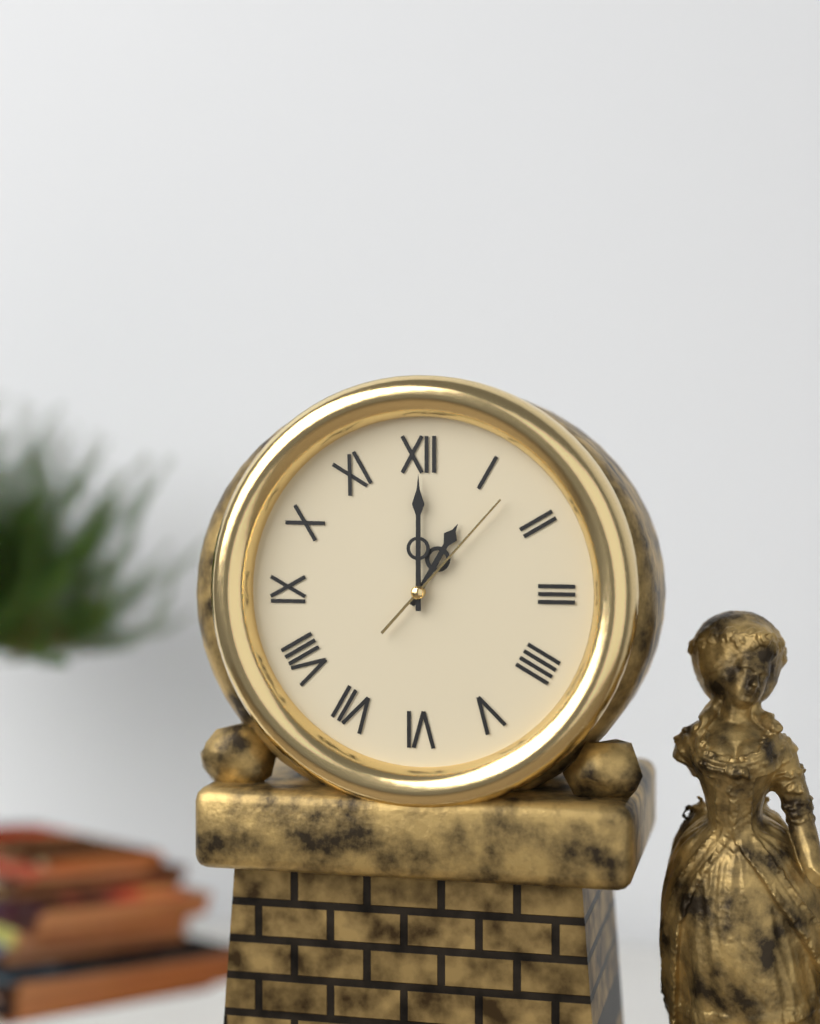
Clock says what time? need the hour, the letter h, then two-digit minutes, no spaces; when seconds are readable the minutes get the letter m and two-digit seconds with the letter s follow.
1h00m07s
